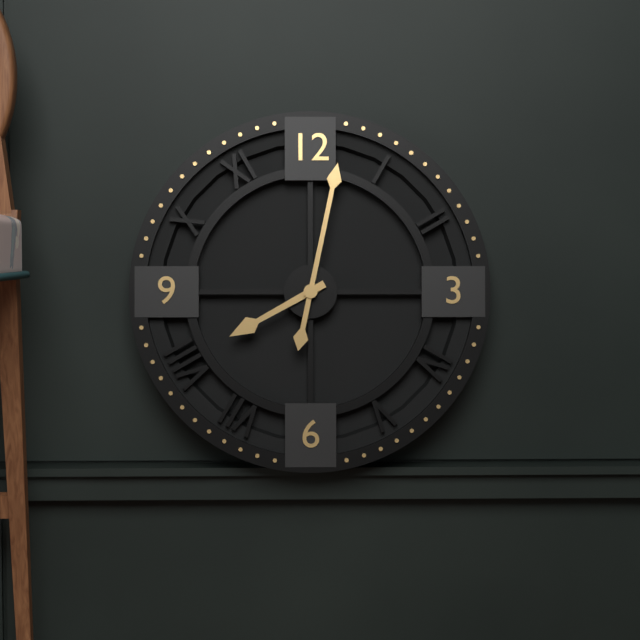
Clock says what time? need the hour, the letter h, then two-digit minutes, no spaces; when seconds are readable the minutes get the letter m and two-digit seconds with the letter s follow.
8h02
